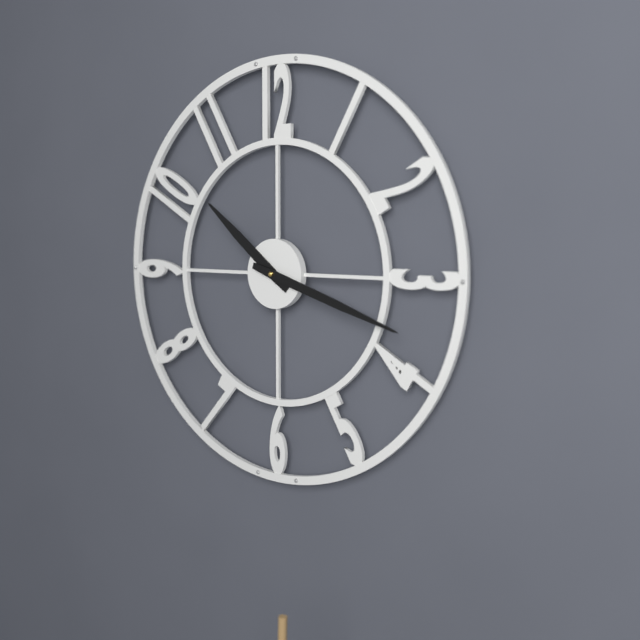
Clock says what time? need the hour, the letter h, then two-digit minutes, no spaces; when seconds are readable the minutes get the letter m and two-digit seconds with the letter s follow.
10h18
